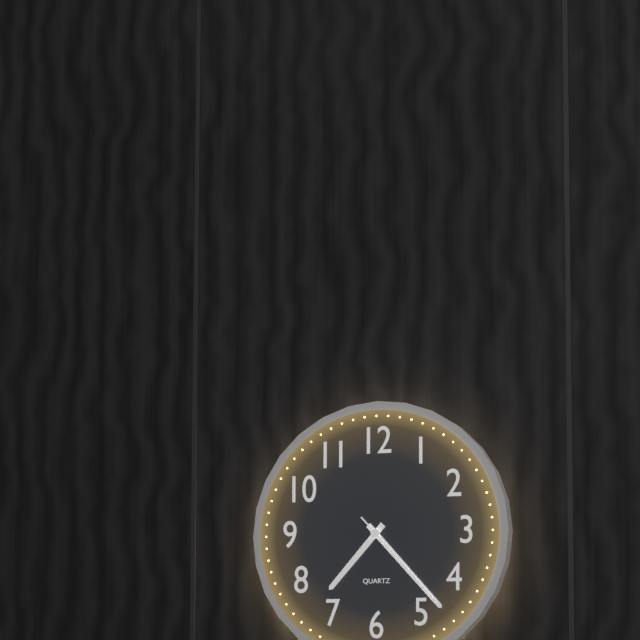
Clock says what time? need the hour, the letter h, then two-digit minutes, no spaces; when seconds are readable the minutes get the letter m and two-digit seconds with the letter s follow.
7h23m23s
